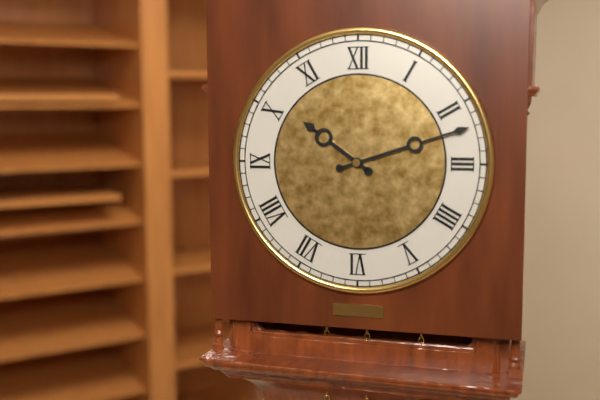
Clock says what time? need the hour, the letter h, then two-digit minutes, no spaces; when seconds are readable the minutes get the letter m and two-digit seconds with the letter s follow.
10h12
